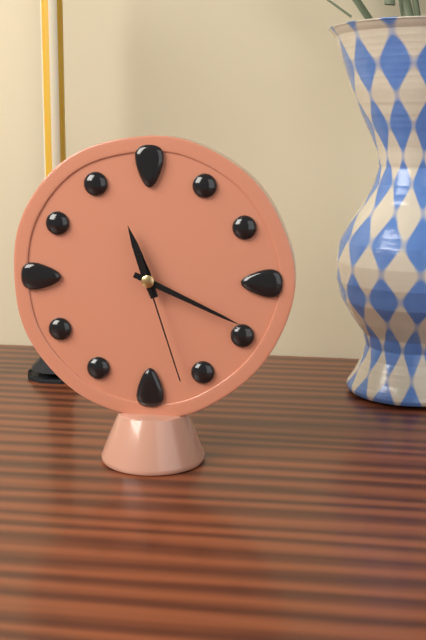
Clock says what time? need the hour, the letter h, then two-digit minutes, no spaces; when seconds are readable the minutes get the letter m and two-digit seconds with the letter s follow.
11h19m27s
